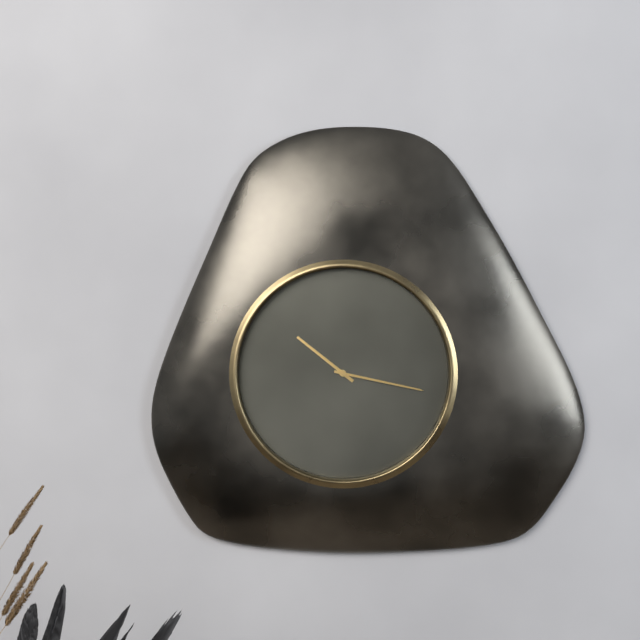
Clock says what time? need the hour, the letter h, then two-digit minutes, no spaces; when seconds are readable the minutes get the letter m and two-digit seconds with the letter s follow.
10h17
